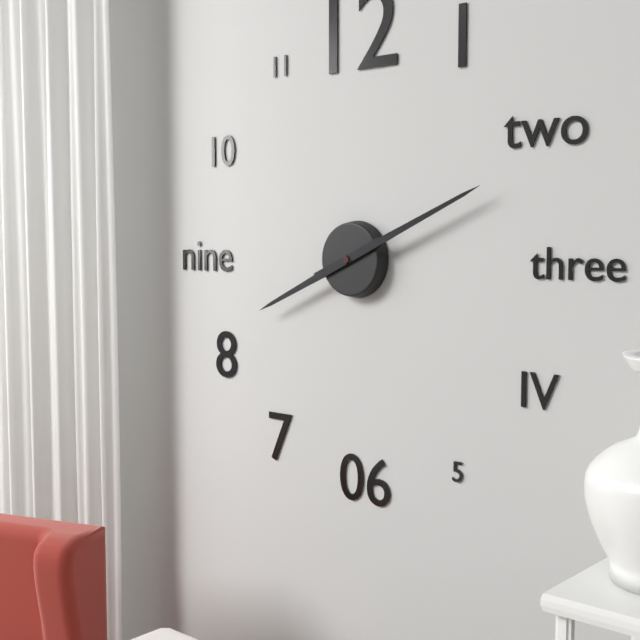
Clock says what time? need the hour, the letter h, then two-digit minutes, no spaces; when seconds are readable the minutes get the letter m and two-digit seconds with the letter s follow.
8h11
